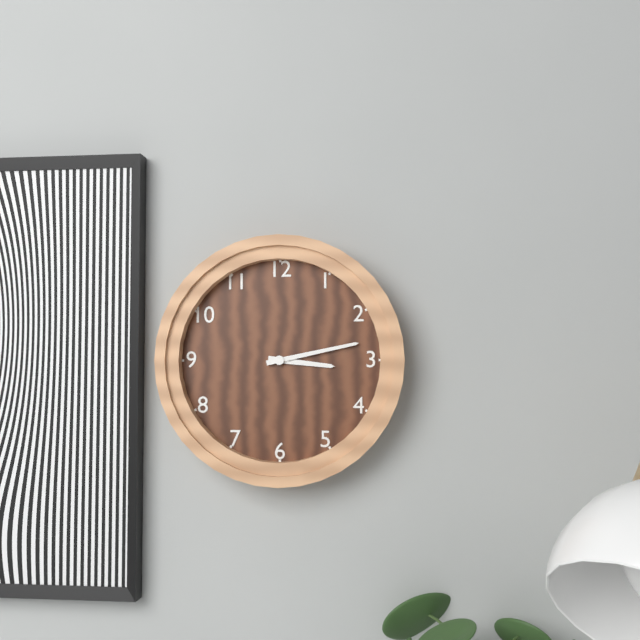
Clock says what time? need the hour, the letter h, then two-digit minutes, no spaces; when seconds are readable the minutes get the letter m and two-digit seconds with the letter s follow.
3h13
